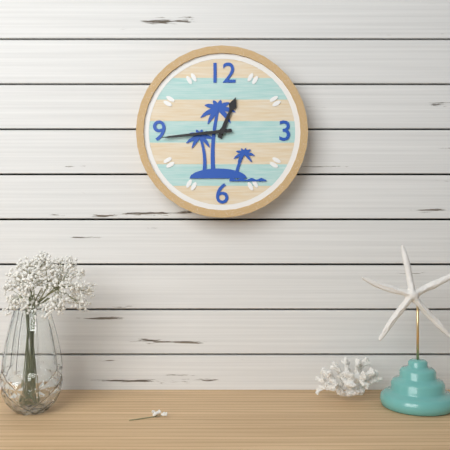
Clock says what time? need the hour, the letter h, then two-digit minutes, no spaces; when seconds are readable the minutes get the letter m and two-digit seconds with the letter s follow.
12h44
